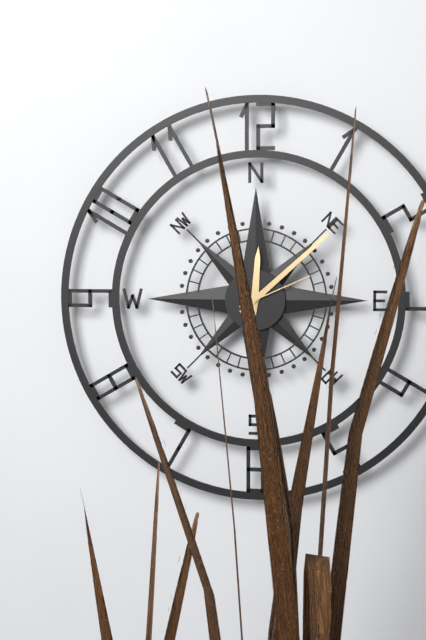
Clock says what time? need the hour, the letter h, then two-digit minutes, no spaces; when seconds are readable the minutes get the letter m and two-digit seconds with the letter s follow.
12h08m11s
